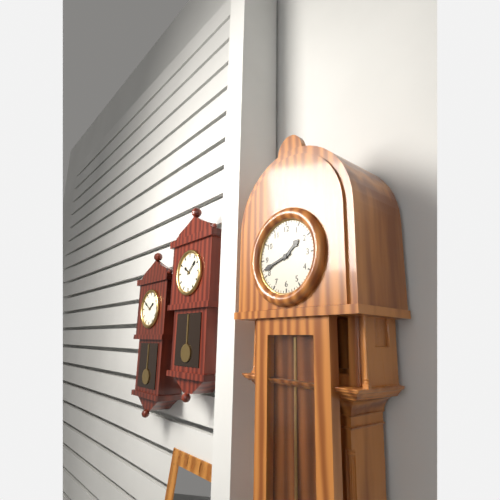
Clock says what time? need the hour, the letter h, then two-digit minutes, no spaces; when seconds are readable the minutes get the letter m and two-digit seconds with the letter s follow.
1h42
